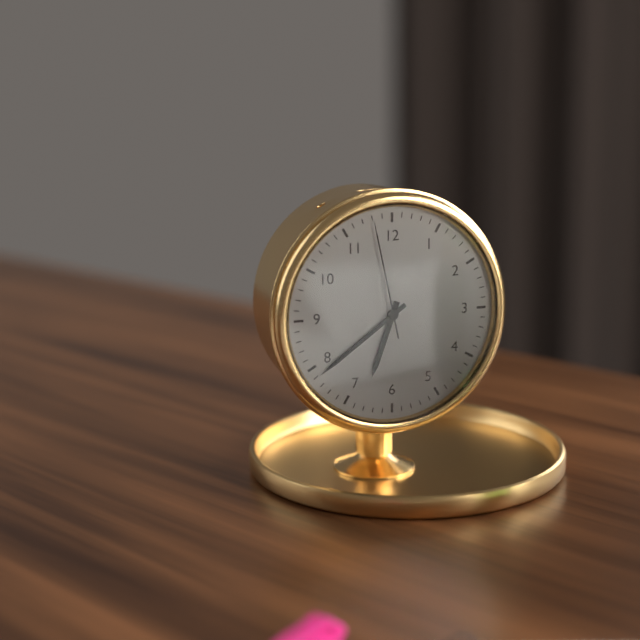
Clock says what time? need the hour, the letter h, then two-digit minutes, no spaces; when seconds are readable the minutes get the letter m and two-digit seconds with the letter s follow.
6h39m58s
